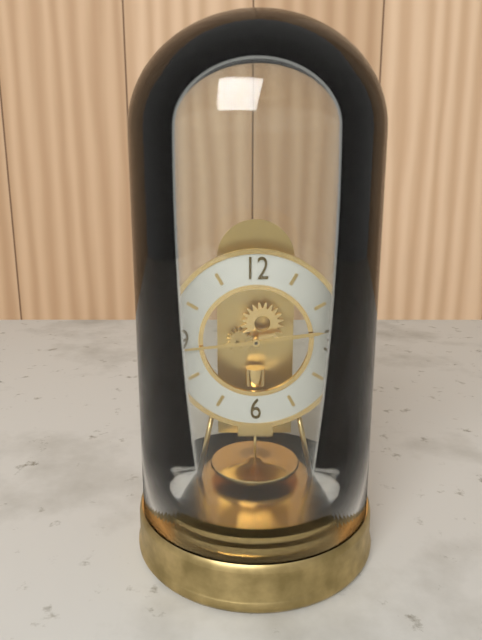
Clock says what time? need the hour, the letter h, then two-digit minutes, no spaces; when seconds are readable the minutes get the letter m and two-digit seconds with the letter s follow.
2h44
